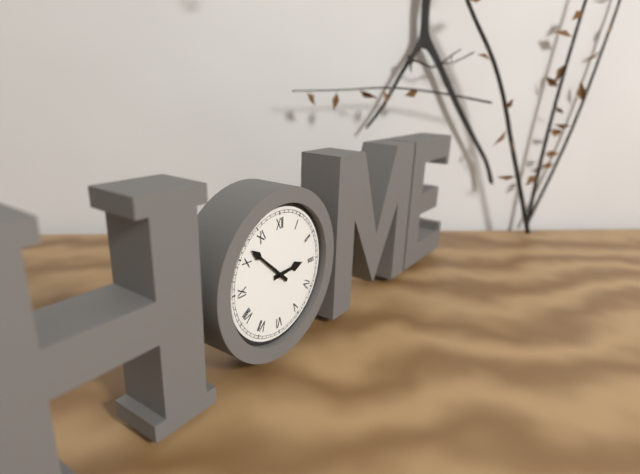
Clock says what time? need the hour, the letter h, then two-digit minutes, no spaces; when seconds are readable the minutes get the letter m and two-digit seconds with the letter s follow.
2h52
